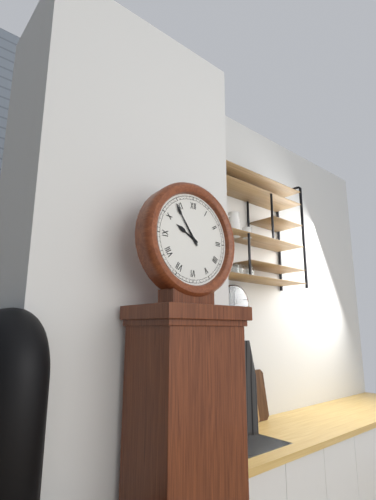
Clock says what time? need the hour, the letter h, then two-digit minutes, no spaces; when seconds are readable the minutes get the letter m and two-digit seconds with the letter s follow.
9h54
